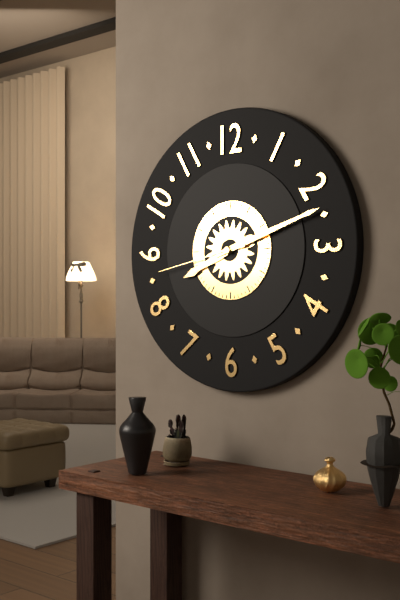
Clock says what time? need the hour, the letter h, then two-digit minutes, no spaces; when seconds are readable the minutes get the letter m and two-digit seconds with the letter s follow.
8h12m43s
